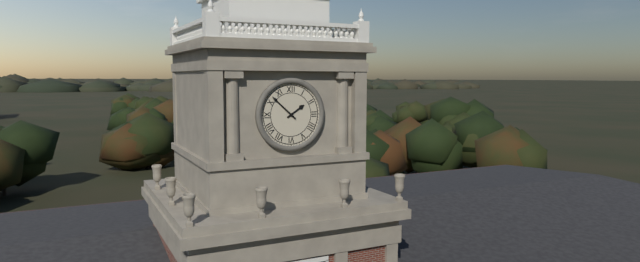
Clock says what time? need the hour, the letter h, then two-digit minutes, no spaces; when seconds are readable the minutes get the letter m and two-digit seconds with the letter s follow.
1h52
